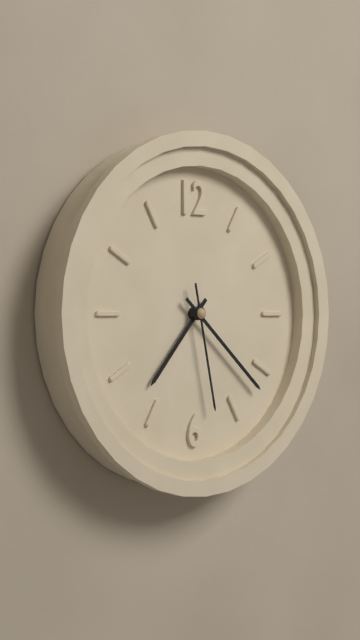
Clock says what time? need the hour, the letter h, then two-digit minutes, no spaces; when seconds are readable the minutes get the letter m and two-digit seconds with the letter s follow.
7h22m28s
